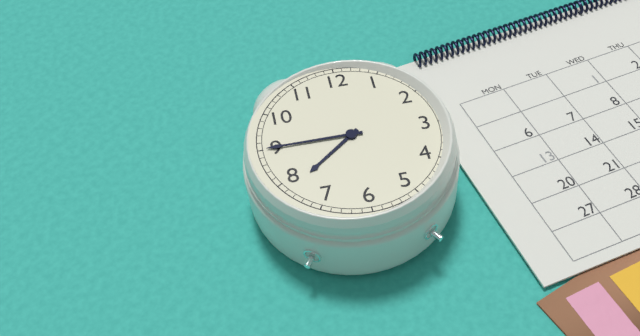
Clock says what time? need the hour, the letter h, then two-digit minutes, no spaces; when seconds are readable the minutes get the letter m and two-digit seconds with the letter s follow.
7h45
